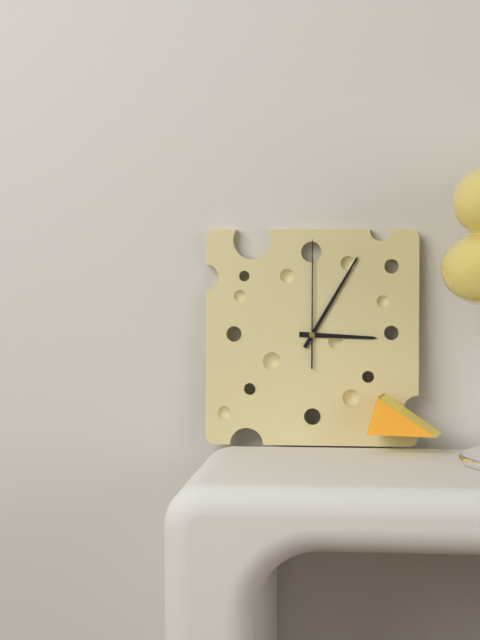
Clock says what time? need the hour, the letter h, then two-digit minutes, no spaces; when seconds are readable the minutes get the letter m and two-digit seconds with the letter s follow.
3h05m00s
